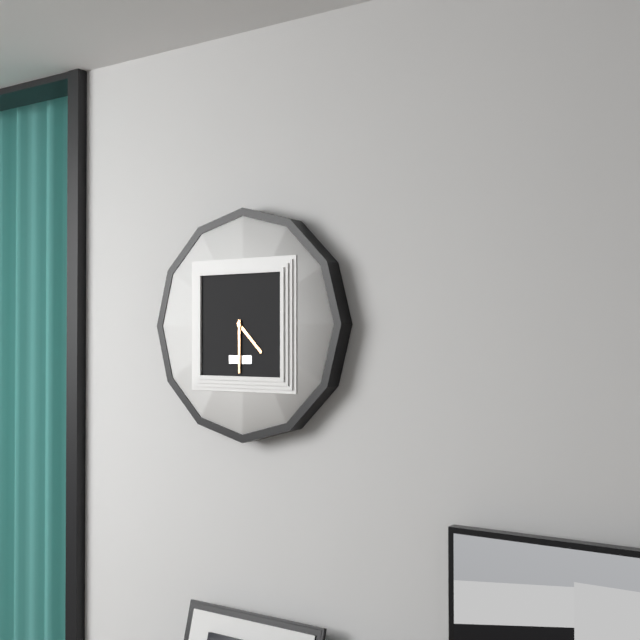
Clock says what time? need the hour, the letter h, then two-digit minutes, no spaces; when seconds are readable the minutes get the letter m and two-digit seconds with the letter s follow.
4h30
